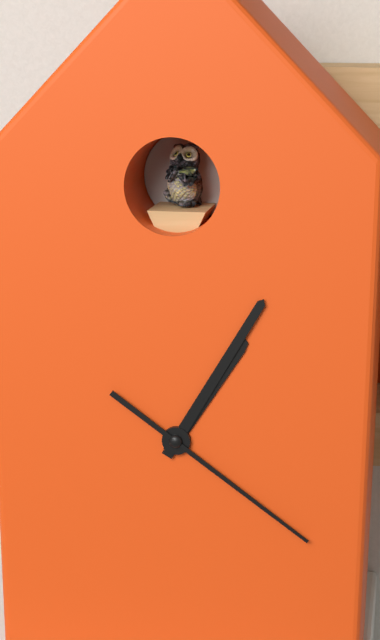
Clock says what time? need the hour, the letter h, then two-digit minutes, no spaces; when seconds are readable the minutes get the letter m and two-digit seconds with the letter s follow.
1h05m21s
